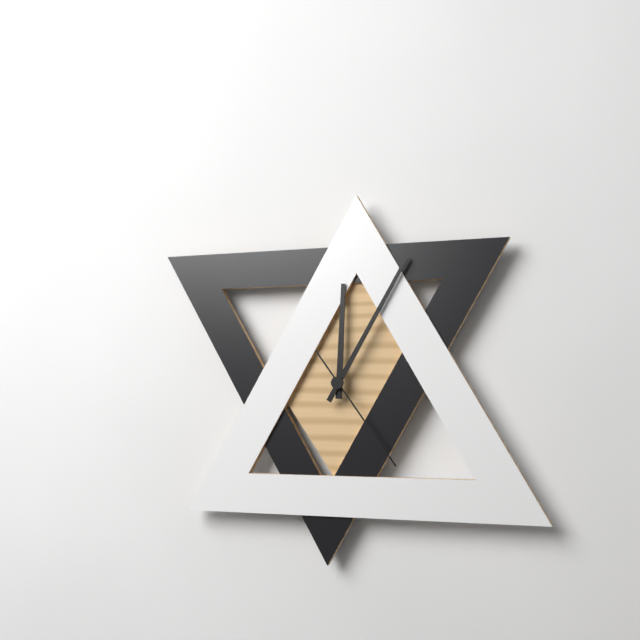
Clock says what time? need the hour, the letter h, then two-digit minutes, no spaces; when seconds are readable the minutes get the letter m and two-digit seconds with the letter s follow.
12h05m24s
